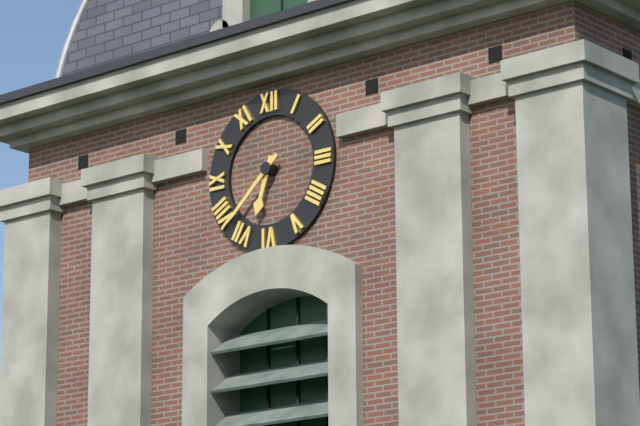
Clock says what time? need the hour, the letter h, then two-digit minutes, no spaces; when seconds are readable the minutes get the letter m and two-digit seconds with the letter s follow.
6h38
